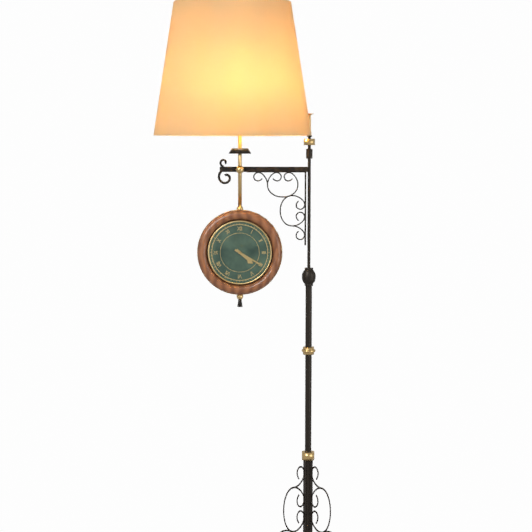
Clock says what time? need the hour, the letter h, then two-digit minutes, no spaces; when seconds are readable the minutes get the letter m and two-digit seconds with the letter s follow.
4h20
